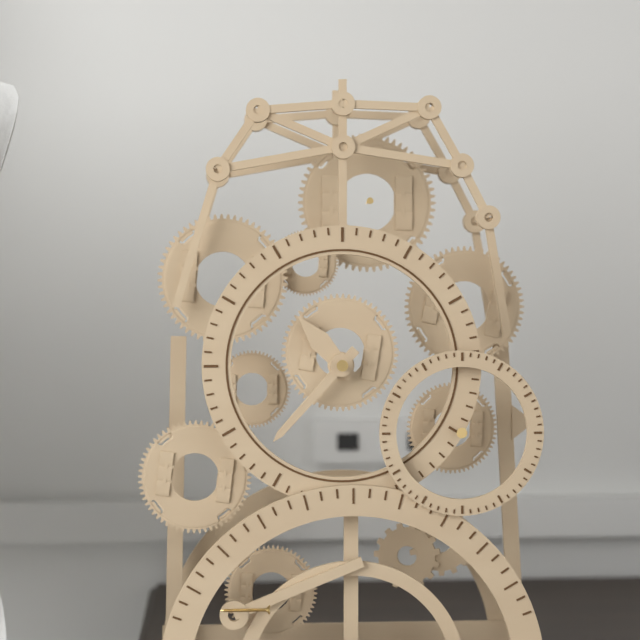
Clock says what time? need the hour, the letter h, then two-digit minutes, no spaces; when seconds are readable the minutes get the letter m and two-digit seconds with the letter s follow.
10h37
